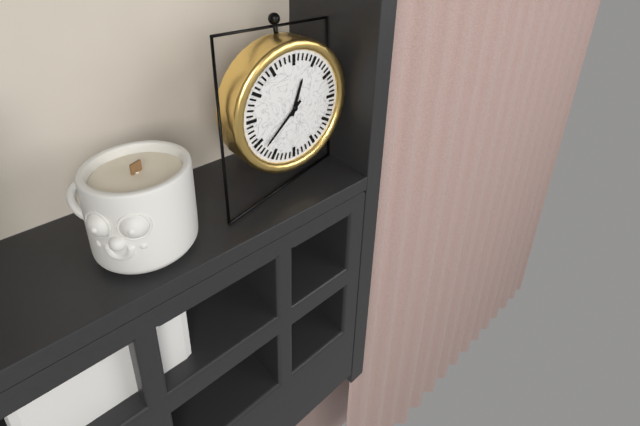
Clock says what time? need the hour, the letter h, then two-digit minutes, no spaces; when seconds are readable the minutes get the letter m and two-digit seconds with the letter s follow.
12h38
